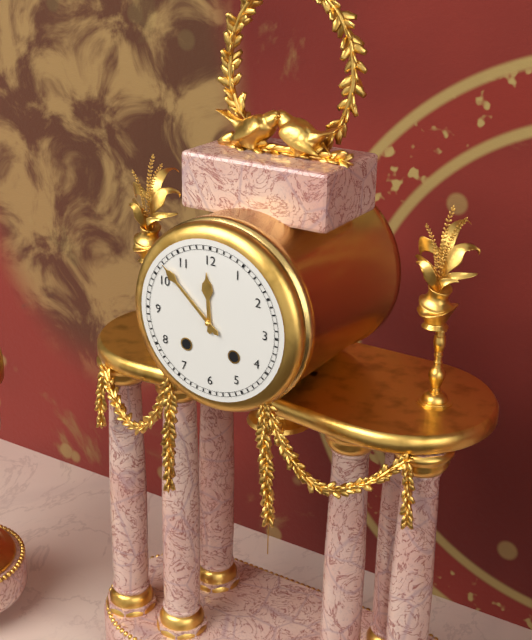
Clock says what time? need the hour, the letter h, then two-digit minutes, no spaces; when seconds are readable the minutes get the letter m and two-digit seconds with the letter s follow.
11h52
